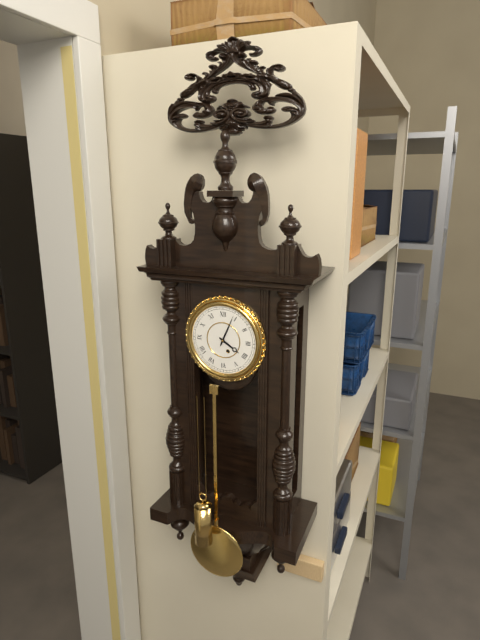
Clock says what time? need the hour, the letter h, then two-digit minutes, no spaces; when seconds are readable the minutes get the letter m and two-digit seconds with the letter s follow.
4h04
